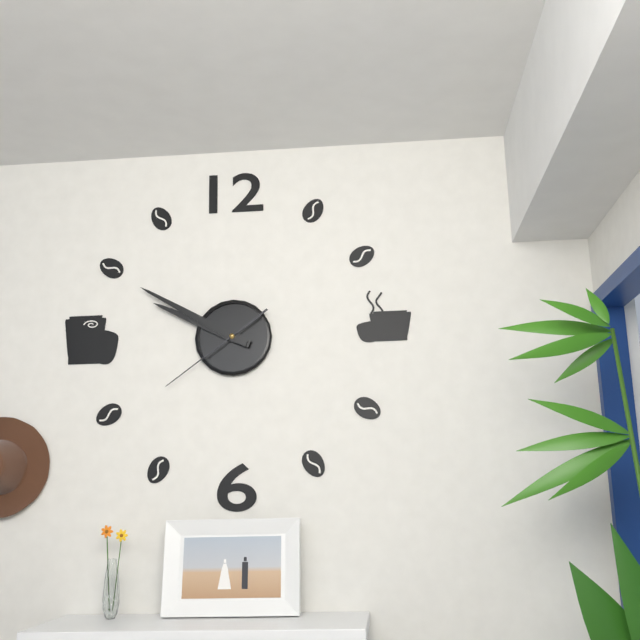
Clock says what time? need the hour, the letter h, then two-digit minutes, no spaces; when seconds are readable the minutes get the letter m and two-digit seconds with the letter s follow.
9h50m39s
